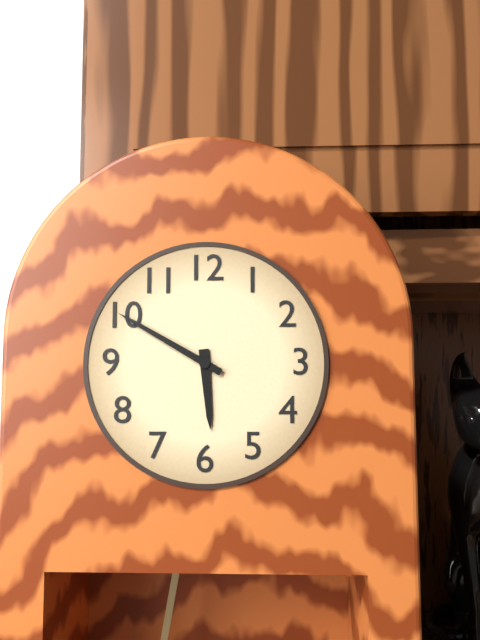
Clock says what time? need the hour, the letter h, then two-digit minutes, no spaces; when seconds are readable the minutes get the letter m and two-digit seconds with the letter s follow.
5h50
